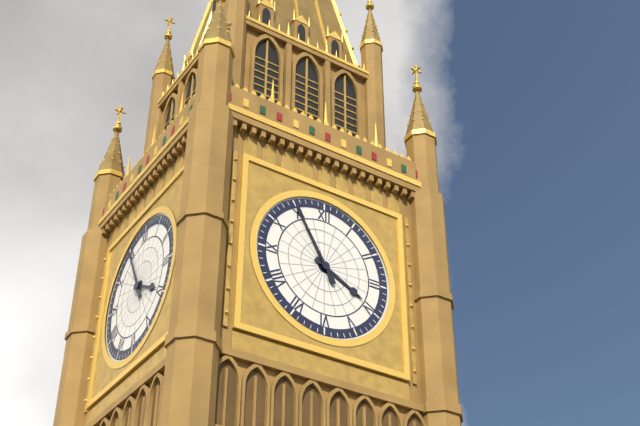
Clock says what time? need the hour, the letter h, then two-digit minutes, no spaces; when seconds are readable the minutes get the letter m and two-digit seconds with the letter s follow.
3h55
